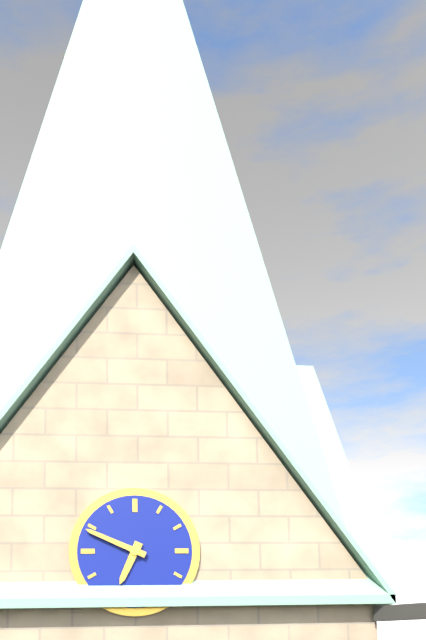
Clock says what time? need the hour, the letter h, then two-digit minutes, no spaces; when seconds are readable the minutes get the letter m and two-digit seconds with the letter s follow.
6h49
